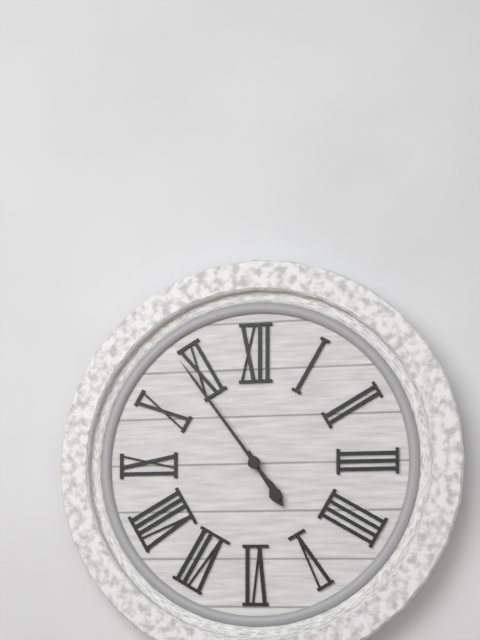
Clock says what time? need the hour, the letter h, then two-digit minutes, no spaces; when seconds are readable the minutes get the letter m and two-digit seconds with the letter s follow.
4h54
